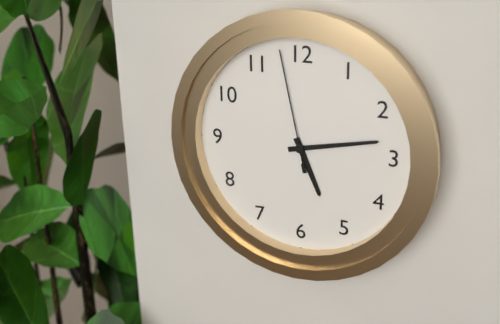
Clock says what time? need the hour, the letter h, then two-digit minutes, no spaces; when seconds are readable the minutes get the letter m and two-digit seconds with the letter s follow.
5h13m58s
